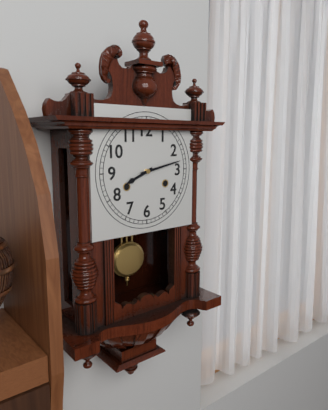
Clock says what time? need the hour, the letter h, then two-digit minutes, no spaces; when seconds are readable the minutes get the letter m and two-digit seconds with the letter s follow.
8h13
